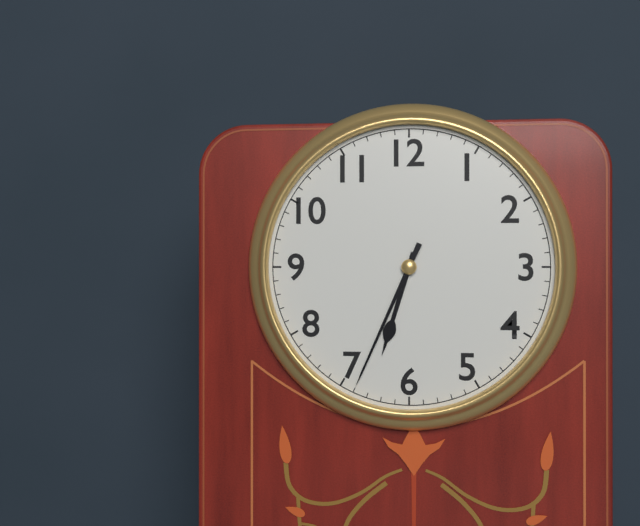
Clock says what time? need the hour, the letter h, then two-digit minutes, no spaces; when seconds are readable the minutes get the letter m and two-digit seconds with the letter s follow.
6h34
